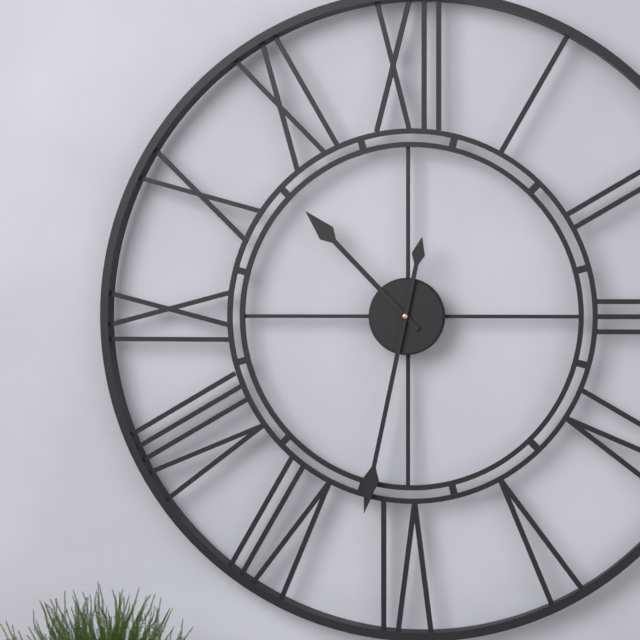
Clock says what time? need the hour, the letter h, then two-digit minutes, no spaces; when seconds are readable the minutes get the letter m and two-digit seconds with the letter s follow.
10h32
